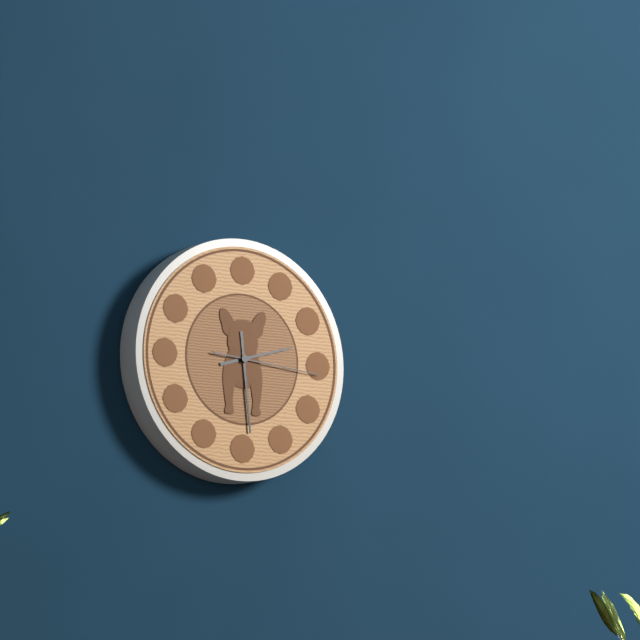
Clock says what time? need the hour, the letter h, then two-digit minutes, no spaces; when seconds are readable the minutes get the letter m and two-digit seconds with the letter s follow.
2h29m16s
